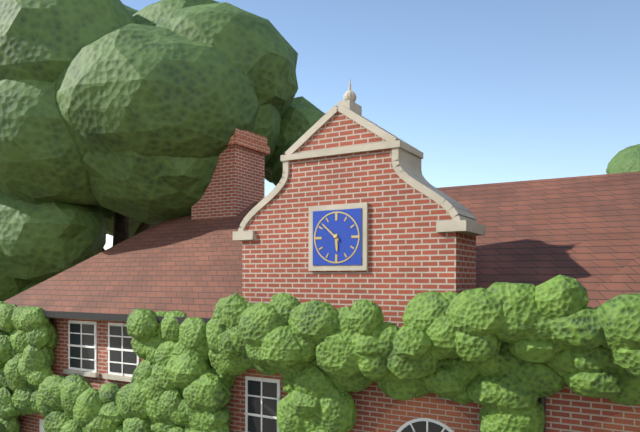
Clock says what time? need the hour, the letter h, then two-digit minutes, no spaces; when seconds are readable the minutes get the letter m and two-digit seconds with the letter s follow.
5h52
